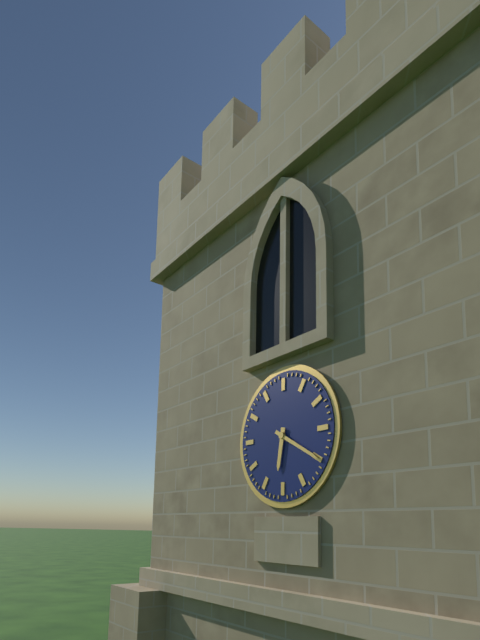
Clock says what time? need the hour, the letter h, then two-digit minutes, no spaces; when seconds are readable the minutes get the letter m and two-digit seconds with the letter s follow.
6h20
